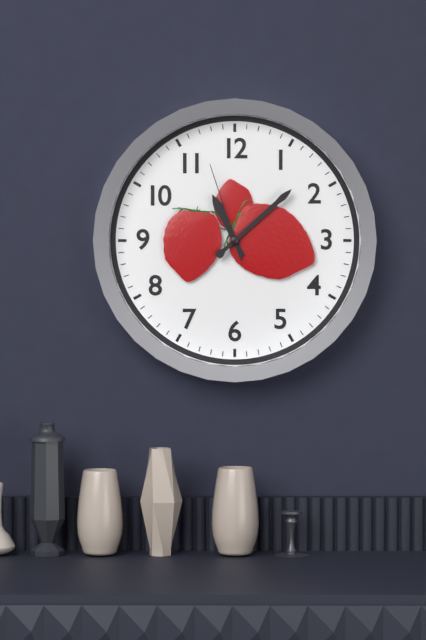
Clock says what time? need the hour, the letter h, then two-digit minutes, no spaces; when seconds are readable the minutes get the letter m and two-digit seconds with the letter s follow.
11h08m57s
